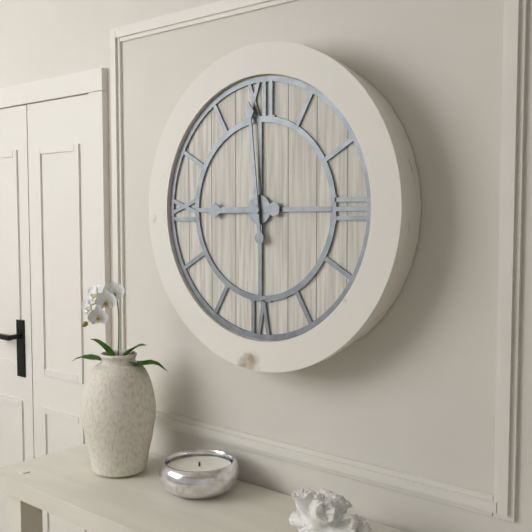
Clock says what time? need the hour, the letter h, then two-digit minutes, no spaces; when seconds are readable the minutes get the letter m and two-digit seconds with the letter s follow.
8h59
